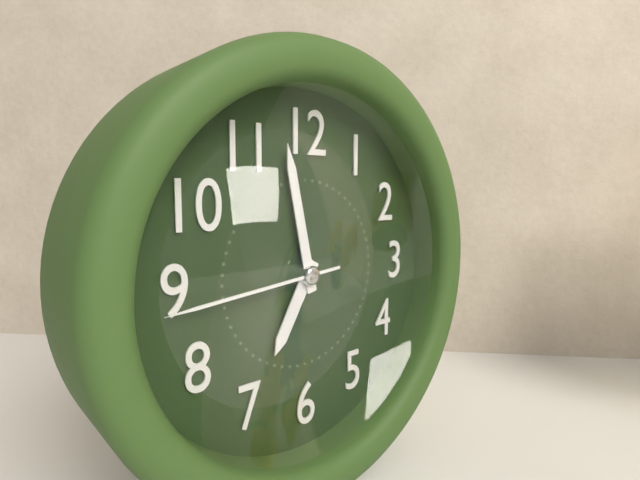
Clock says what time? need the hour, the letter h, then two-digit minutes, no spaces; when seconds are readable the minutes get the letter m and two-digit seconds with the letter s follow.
6h58m44s
